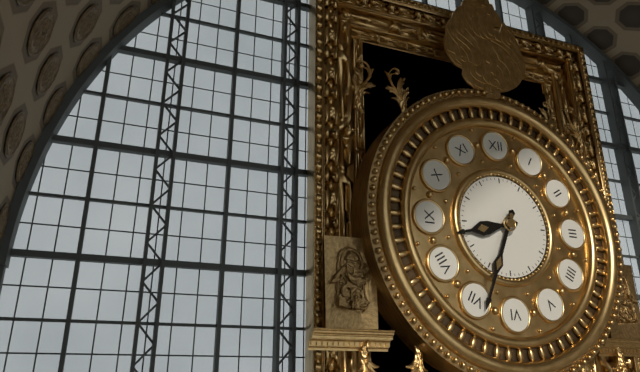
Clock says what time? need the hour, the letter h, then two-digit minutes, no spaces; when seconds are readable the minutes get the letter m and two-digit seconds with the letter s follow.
8h34
